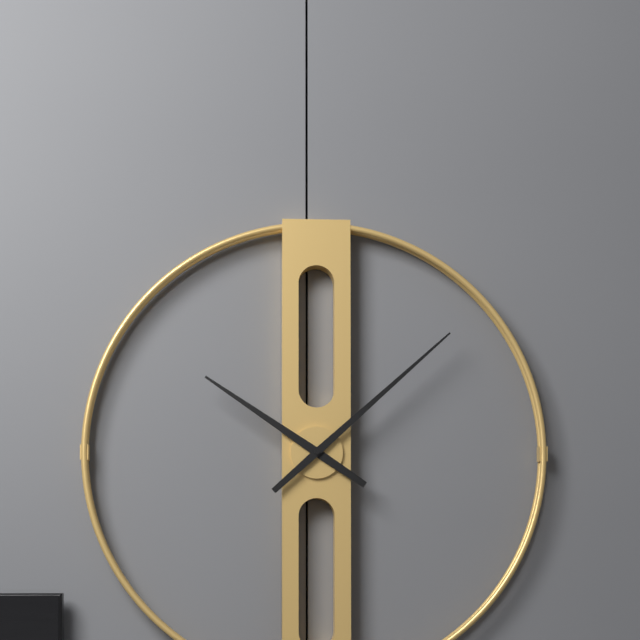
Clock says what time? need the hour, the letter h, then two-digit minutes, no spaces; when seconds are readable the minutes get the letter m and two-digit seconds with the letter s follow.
10h08
